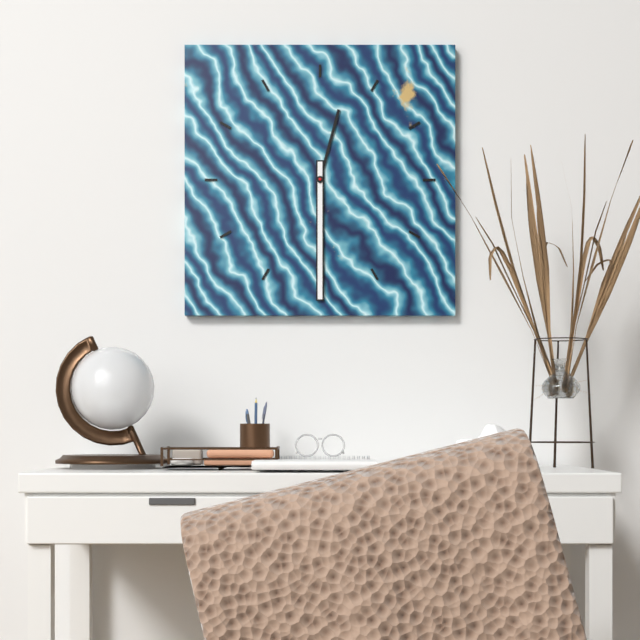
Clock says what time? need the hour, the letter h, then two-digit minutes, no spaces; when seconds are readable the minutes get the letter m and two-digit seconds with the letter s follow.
12h30
